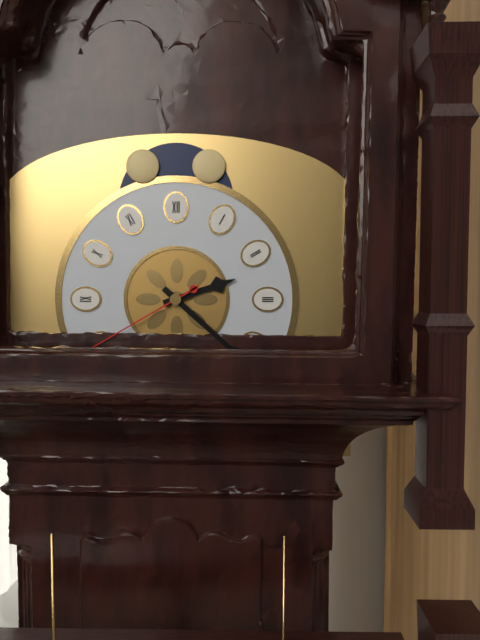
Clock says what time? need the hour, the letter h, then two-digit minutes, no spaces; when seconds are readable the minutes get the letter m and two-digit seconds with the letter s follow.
2h22m40s
